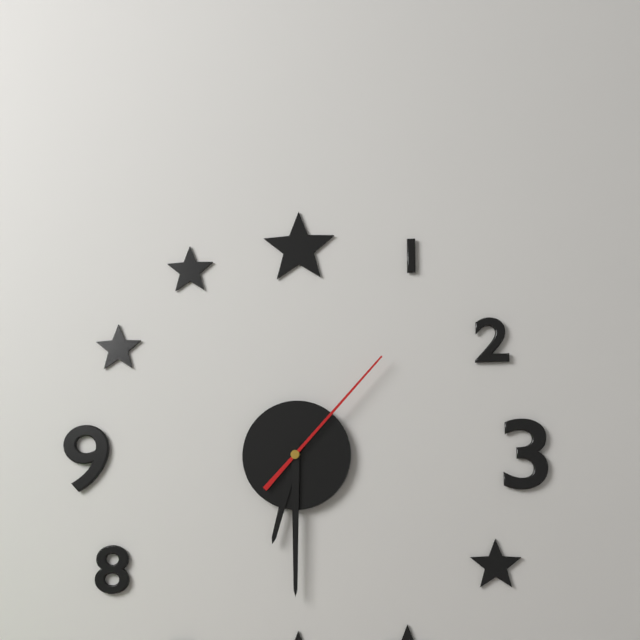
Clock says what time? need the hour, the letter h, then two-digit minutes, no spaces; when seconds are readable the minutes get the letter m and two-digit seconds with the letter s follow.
6h30m07s
